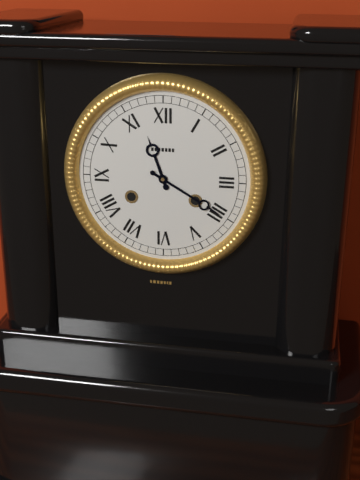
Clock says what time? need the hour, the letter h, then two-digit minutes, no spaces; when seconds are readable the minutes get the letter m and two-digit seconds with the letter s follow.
11h20
